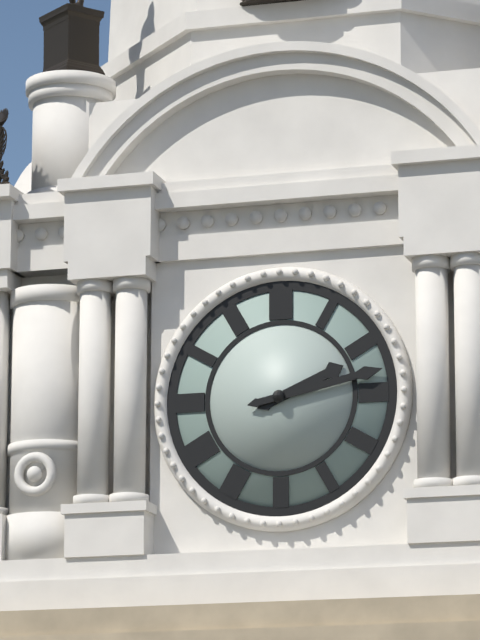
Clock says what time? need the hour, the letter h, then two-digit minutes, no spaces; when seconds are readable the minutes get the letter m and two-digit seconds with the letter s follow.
2h13
